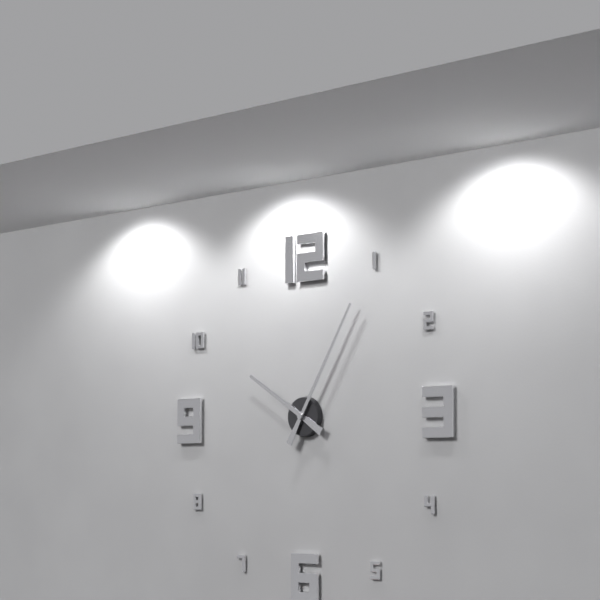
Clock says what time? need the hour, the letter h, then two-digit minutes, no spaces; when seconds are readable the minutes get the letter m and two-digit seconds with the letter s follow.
10h05
